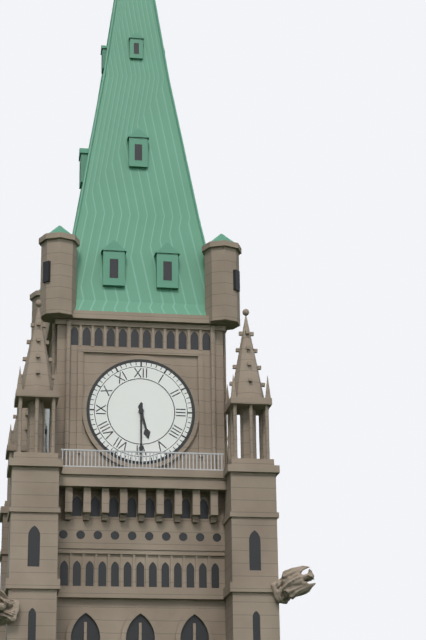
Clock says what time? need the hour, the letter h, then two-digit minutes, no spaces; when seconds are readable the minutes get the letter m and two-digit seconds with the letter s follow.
5h30
